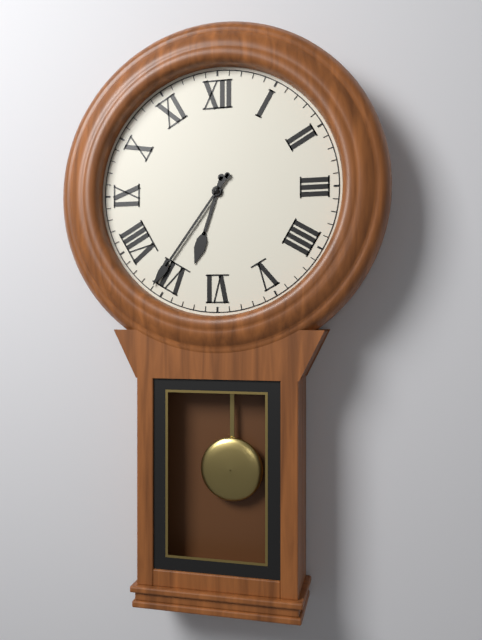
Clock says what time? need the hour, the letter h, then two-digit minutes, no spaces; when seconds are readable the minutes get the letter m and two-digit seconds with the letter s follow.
6h36
